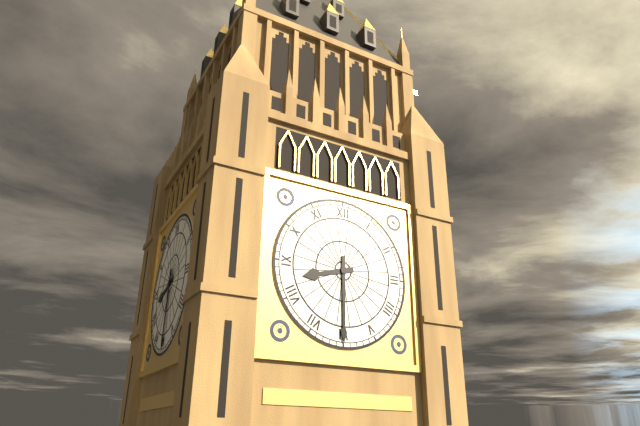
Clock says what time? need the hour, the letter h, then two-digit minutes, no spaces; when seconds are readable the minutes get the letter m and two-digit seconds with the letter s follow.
8h30
